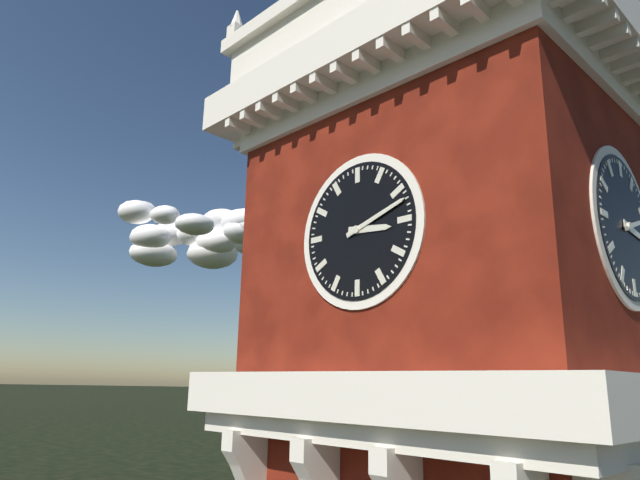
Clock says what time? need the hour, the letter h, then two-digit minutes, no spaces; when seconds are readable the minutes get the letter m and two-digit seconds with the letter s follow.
3h12
